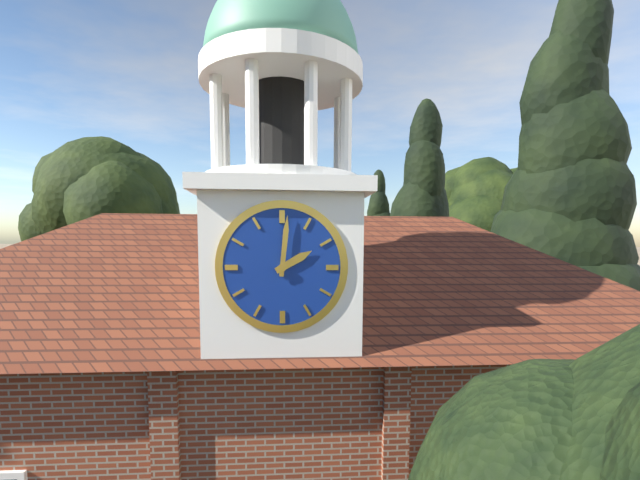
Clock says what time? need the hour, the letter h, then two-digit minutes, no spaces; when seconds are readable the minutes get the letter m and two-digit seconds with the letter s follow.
2h01
